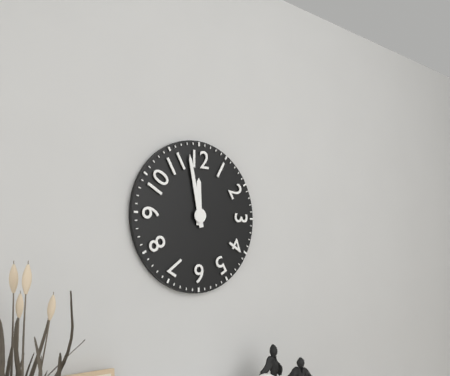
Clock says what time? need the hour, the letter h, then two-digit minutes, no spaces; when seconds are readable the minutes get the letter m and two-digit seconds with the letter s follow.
11h58
